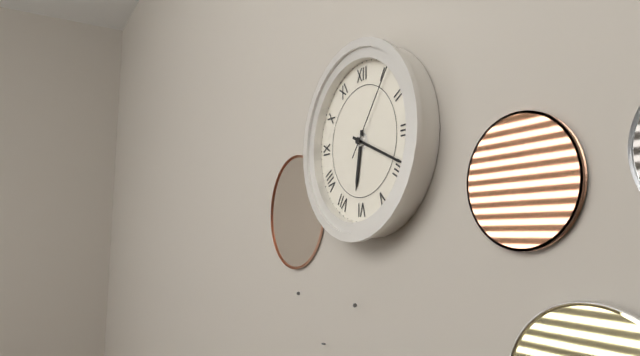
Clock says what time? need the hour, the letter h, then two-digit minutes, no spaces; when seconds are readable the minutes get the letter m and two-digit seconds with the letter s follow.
6h19m06s
